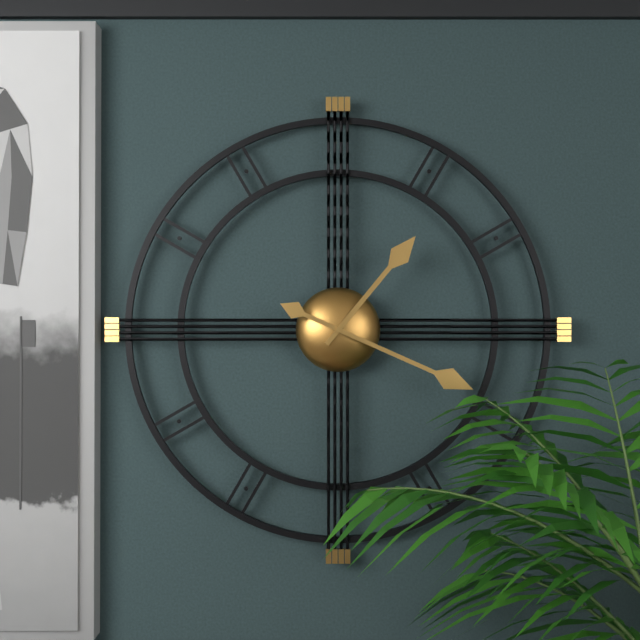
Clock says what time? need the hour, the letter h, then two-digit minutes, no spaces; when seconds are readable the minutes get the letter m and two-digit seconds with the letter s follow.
1h19
